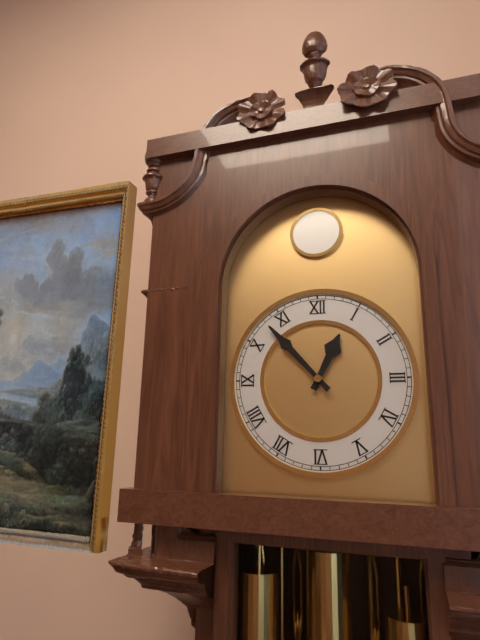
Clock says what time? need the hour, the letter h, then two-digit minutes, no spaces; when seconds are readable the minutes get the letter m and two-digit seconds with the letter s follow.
12h53
